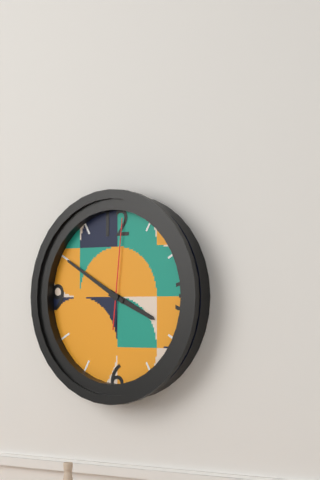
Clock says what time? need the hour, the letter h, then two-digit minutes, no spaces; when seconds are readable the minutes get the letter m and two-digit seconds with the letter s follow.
3h50m01s
